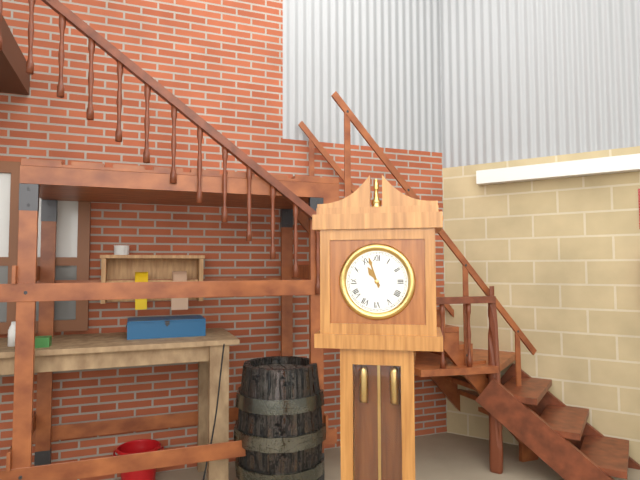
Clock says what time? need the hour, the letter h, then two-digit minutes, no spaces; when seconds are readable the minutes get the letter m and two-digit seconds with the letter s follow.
10h57
